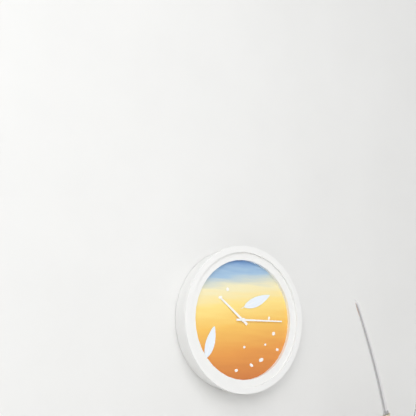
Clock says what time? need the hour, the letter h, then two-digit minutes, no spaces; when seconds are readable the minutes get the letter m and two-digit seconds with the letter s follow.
10h15
